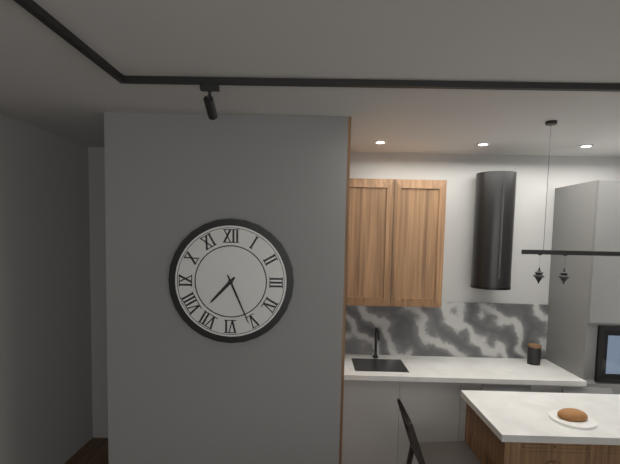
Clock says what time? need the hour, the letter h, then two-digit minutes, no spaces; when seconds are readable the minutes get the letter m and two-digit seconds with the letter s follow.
7h26
